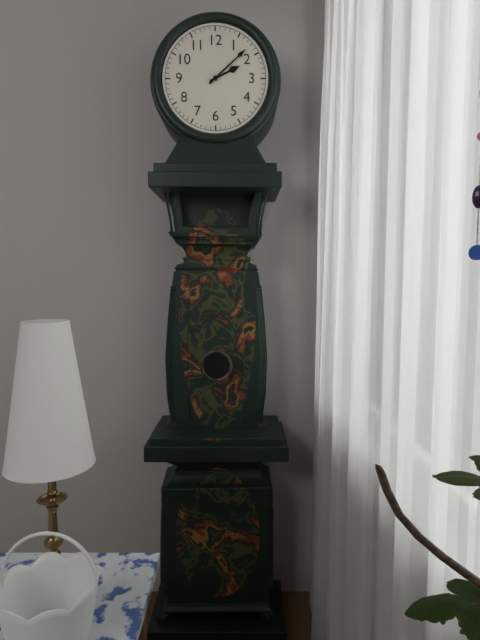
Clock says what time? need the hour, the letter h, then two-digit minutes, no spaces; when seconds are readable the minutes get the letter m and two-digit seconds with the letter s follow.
2h08
